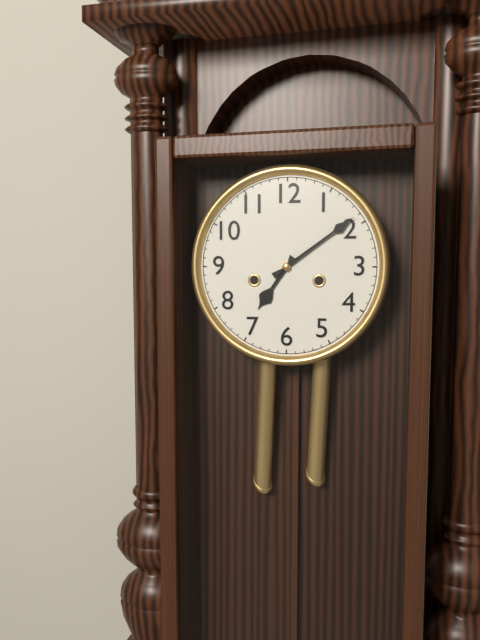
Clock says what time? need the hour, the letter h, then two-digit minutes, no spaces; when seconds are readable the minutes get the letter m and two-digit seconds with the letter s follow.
7h09
